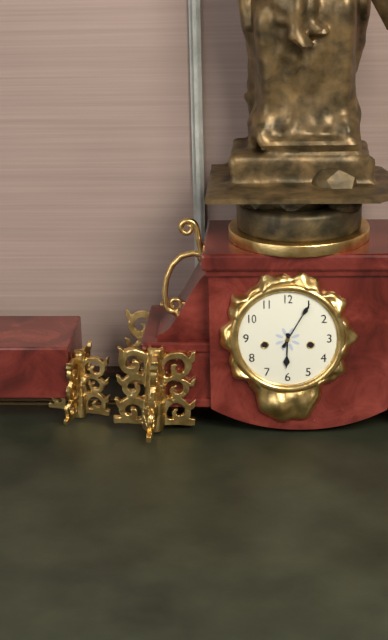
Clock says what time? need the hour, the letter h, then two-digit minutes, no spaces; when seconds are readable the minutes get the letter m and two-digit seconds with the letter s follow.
6h05
